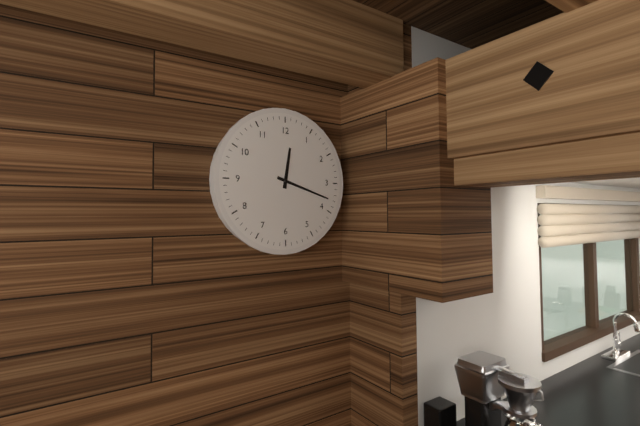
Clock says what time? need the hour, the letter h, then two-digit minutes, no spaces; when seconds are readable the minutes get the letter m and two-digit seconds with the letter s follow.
12h18
